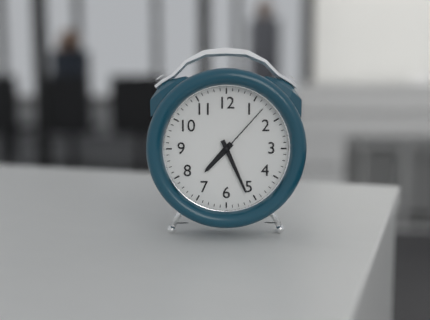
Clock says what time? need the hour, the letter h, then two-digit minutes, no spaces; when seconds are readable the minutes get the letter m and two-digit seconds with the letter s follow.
7h26m07s
